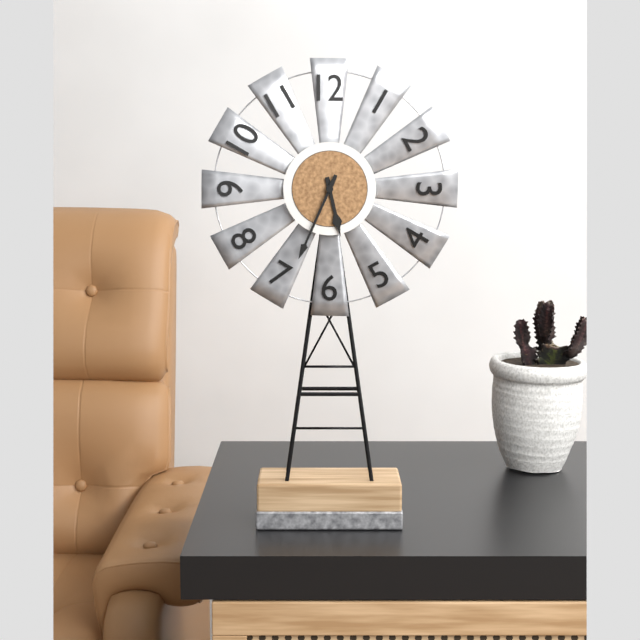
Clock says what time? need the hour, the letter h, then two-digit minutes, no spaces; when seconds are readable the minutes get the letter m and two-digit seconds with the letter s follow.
5h34
